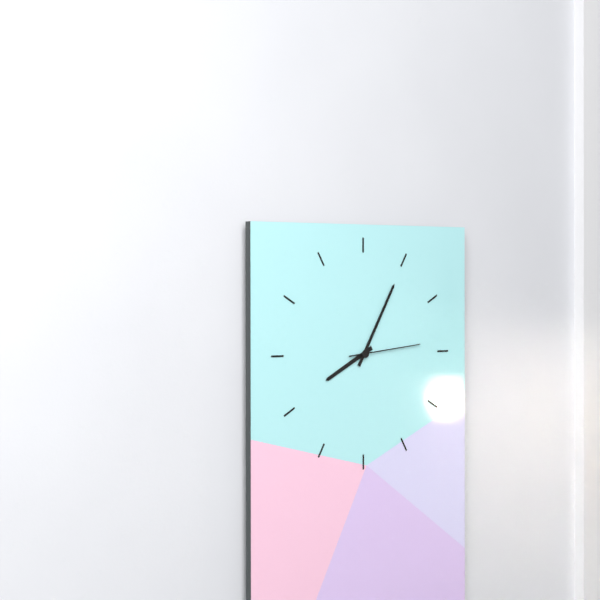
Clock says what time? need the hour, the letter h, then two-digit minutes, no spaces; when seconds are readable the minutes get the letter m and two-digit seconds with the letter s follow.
8h05m14s
